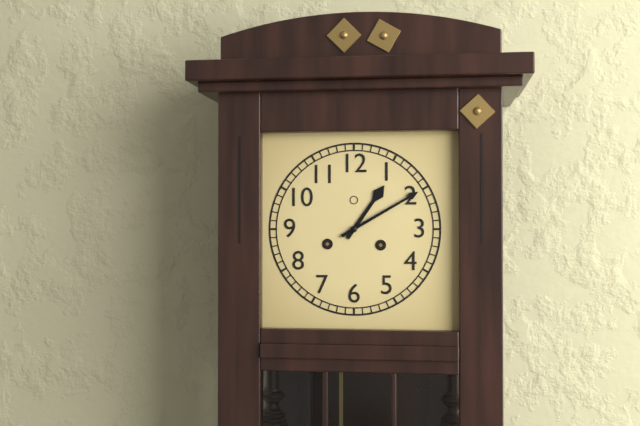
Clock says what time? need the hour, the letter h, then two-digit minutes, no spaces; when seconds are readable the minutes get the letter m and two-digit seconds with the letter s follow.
1h10
